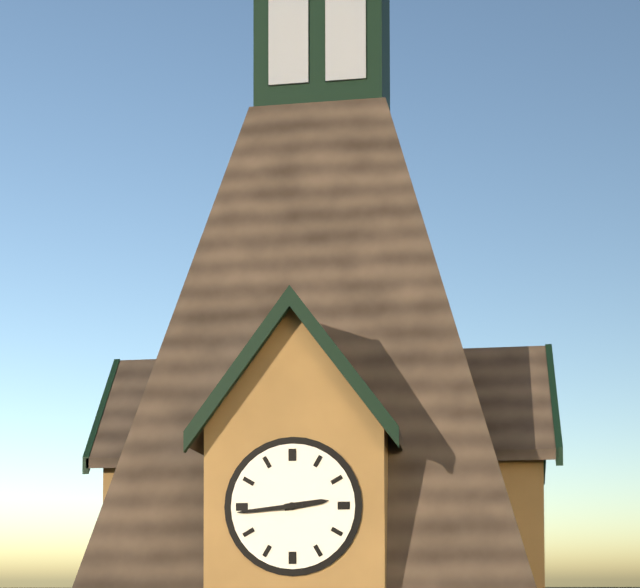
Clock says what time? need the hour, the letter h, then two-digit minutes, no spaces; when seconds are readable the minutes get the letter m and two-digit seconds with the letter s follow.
2h44
